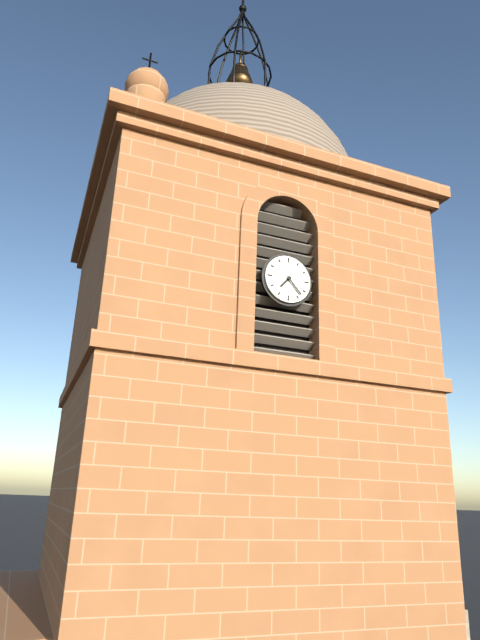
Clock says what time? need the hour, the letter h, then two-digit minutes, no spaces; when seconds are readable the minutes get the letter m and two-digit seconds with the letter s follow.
7h23
